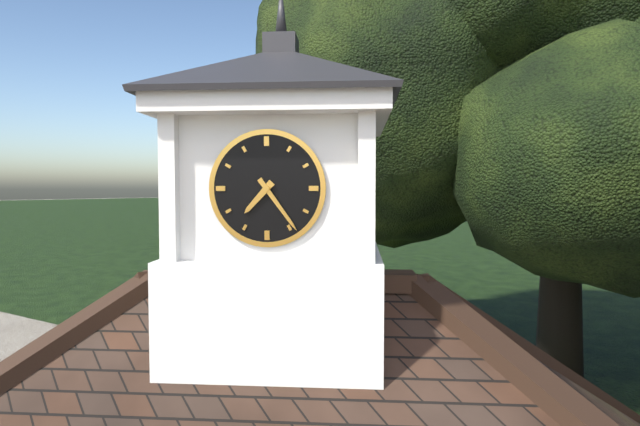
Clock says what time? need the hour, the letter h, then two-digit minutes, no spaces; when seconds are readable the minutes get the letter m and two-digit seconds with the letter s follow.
7h24
